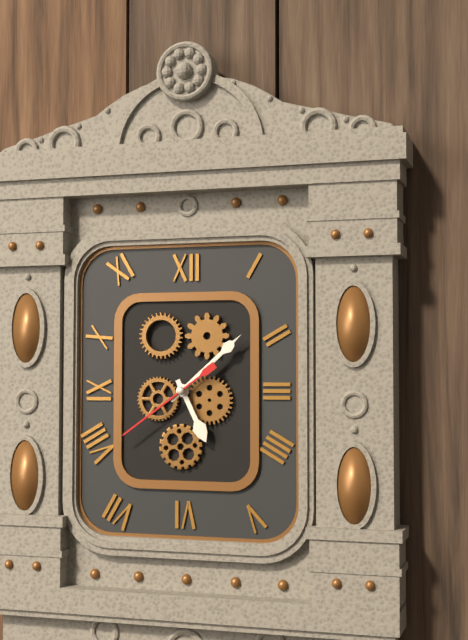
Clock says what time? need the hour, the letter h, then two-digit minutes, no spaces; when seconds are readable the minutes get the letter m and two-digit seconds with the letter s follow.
5h08m39s
